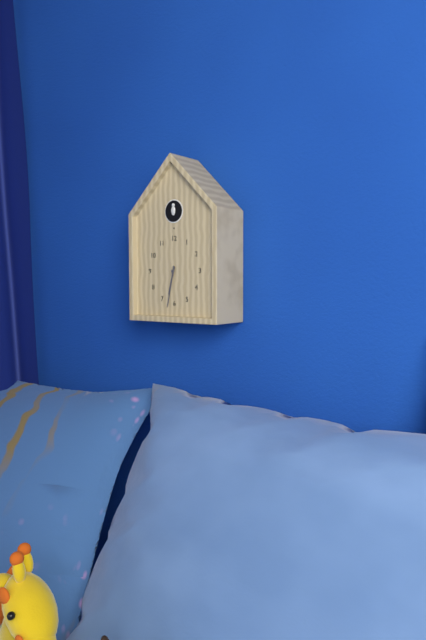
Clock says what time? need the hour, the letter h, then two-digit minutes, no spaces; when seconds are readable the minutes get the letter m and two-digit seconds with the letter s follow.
6h32
